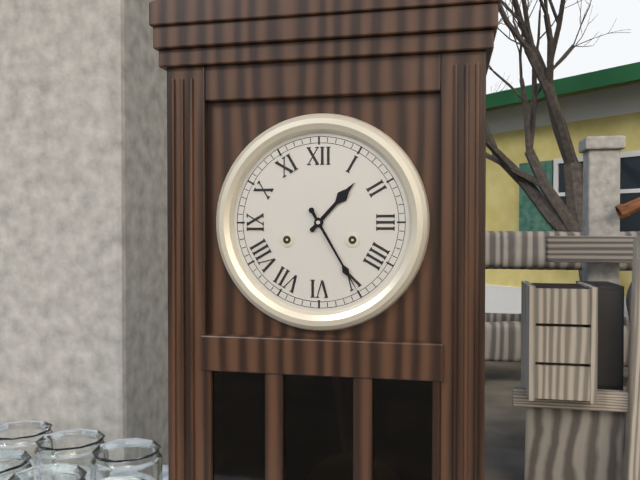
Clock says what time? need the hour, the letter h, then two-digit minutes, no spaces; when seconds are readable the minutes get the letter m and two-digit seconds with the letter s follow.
1h25
